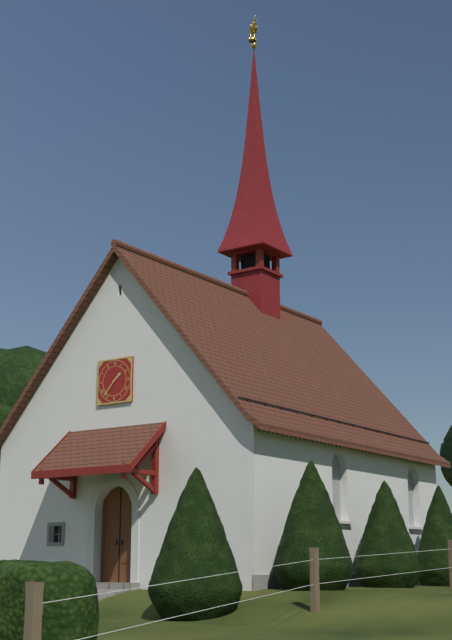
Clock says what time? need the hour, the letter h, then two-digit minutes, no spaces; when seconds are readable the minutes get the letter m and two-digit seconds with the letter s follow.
1h37
